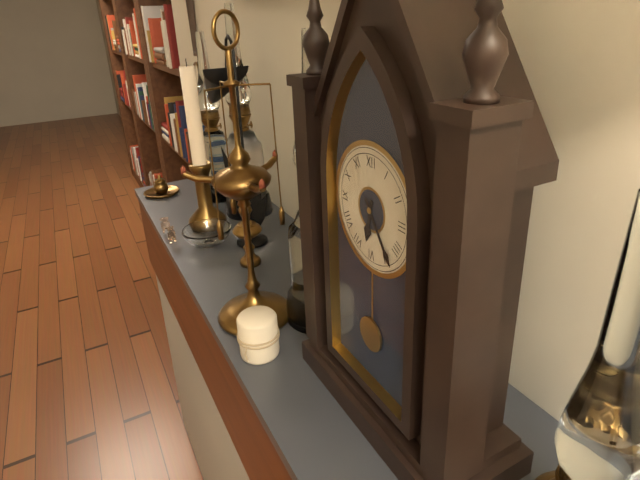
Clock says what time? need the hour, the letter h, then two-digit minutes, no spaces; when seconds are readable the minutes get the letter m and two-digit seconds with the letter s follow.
6h24
